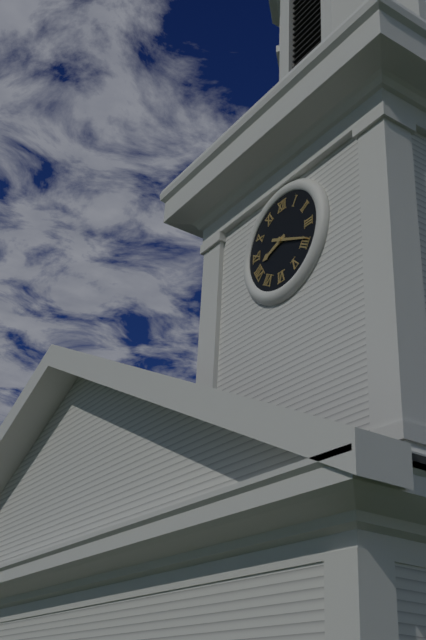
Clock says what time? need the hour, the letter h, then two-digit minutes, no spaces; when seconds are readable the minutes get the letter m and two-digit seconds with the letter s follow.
8h19
